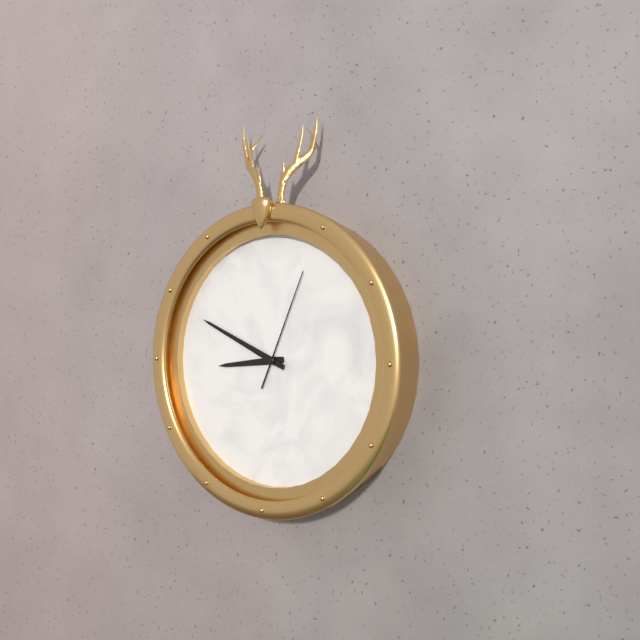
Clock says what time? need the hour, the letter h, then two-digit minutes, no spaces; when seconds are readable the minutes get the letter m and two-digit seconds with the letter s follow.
8h49m04s
